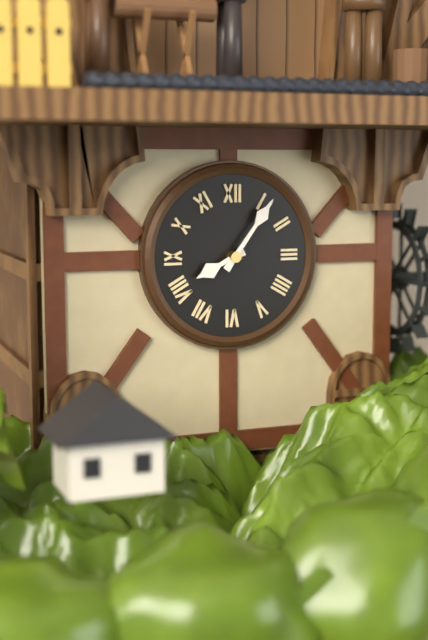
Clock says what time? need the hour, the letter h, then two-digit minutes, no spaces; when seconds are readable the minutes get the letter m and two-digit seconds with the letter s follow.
8h06
